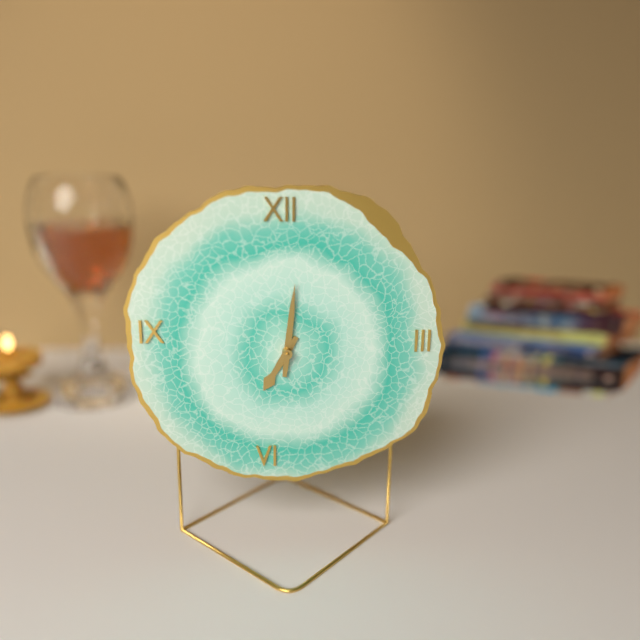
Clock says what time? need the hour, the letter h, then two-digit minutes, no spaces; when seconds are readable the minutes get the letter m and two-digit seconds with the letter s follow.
7h01
